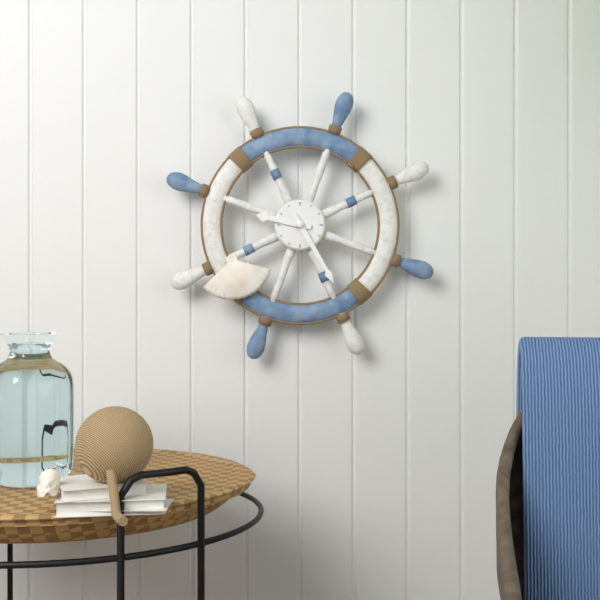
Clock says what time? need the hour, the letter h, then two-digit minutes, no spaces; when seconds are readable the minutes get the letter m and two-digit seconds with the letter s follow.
9h25
